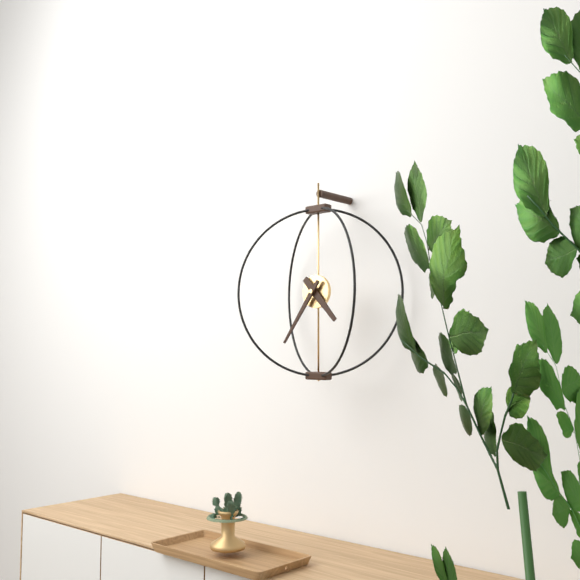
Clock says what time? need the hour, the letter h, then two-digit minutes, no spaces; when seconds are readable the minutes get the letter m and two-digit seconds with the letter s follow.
4h36
